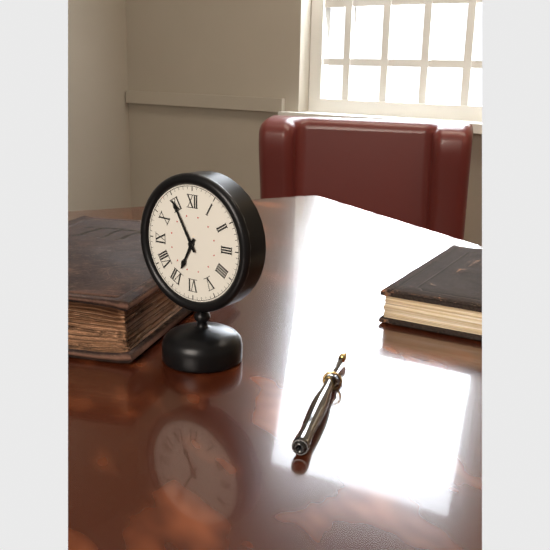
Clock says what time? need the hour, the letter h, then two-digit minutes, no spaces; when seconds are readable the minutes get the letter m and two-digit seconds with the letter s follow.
6h55
